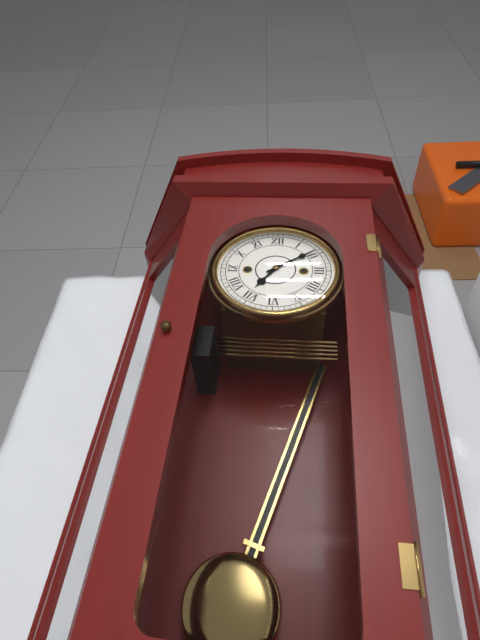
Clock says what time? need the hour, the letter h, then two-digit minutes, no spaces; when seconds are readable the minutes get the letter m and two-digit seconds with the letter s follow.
7h09
